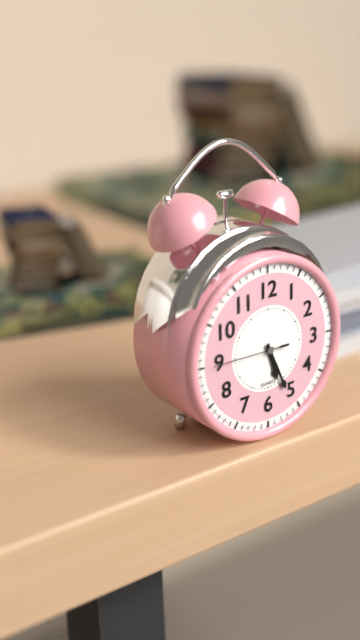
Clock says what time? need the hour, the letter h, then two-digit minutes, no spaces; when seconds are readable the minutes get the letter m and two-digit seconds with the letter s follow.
5h26m45s
